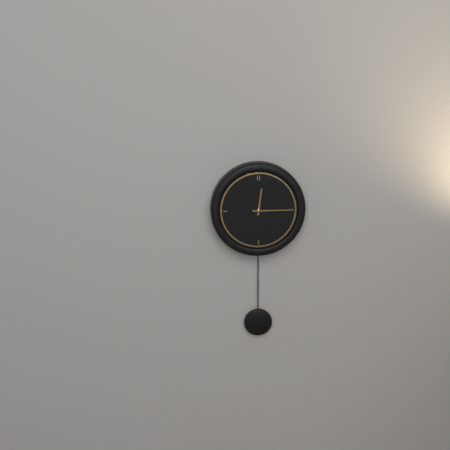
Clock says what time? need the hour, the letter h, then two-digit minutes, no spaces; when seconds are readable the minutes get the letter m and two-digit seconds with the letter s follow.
12h15
